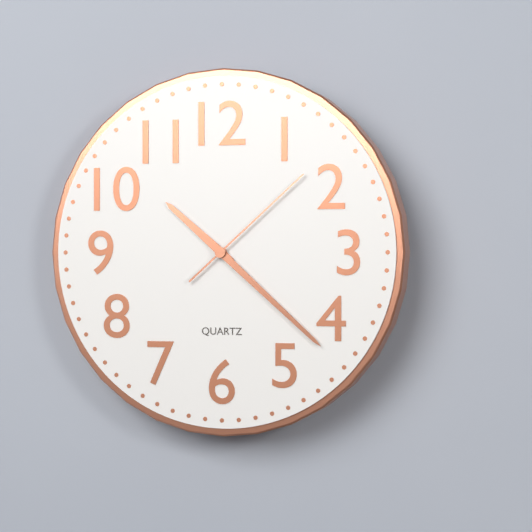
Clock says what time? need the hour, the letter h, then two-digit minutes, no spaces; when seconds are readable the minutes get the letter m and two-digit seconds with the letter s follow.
10h22m08s
